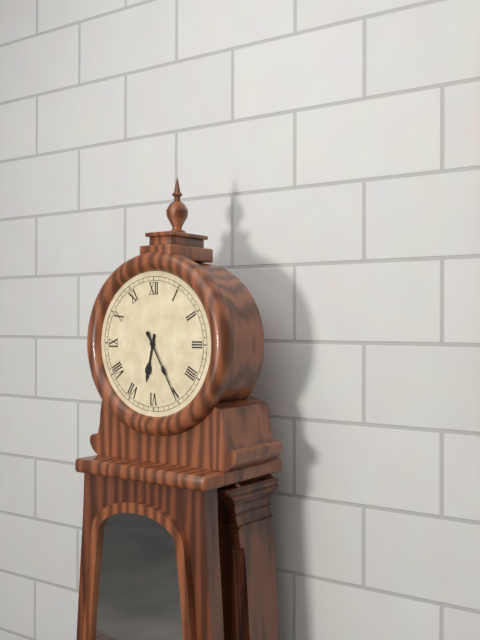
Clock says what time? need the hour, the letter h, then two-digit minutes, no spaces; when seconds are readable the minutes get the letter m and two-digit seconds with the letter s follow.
6h25
